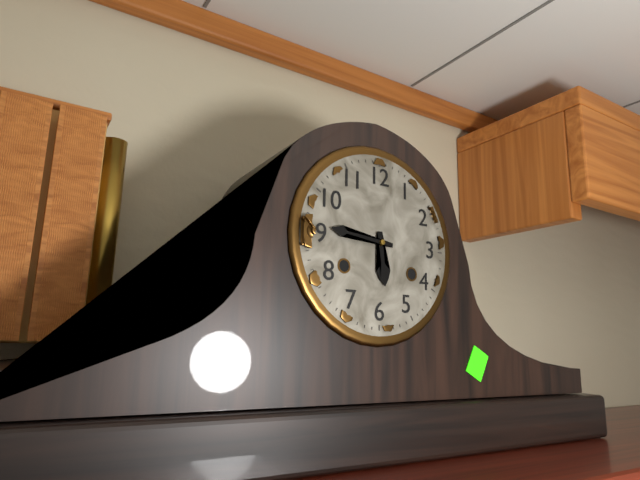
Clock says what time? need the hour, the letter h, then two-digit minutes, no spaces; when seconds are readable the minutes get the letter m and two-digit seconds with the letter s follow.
5h46
